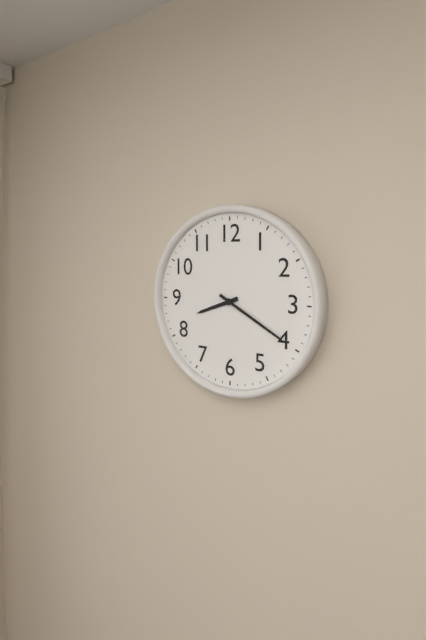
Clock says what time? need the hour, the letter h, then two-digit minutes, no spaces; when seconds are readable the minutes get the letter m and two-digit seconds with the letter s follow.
8h20
